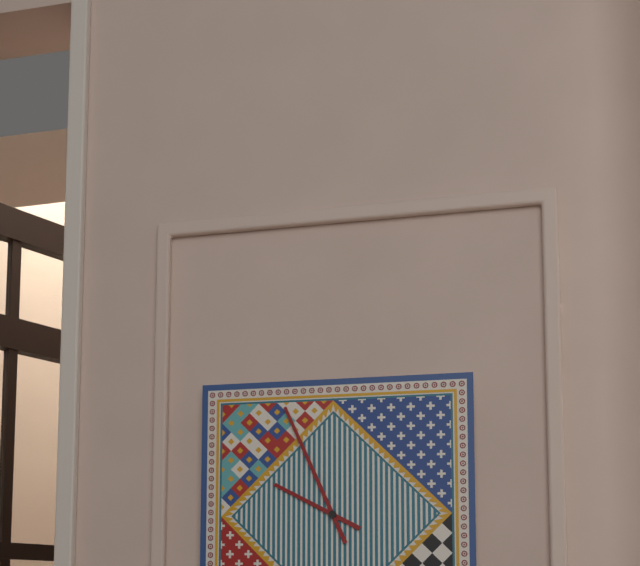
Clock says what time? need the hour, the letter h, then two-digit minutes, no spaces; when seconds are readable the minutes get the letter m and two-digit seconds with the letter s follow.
9h56
